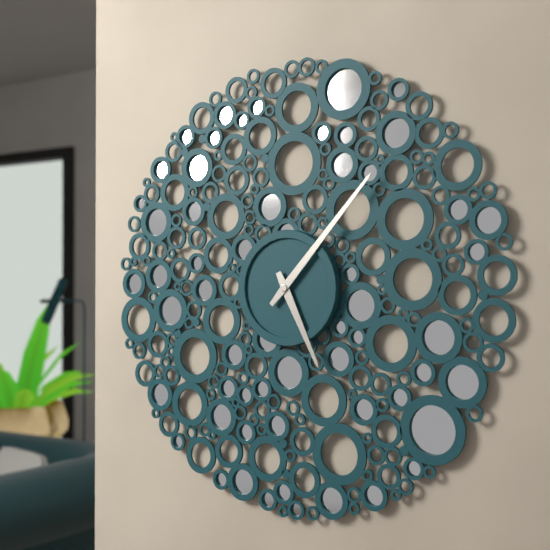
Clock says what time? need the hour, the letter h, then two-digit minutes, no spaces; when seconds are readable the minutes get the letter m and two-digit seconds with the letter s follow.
5h07
